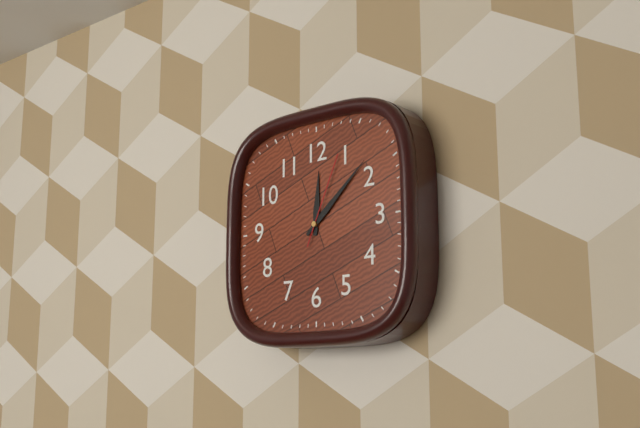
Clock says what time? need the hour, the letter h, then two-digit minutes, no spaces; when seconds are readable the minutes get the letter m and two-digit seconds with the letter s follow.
12h08m04s
